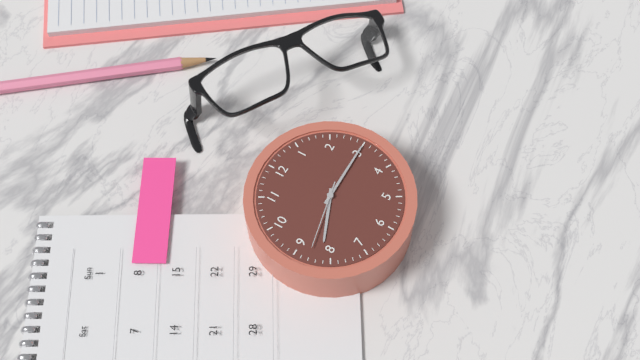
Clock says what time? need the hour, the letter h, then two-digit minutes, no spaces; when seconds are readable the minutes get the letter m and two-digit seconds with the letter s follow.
8h15
